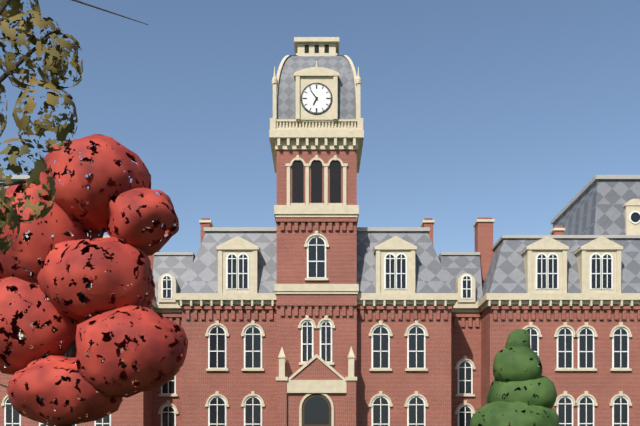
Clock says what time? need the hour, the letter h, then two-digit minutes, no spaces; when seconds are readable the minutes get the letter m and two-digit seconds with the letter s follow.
6h54
